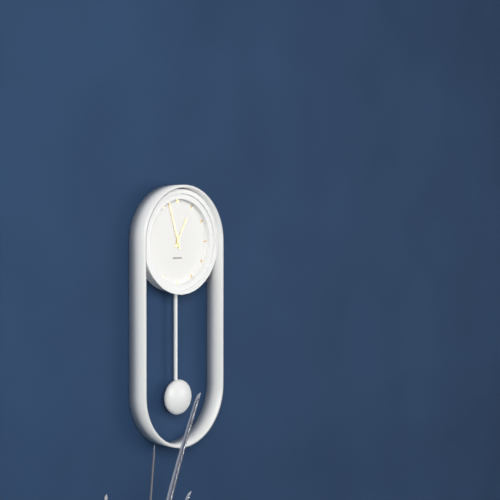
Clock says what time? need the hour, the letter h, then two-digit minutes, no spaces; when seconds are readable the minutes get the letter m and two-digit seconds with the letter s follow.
12h57
